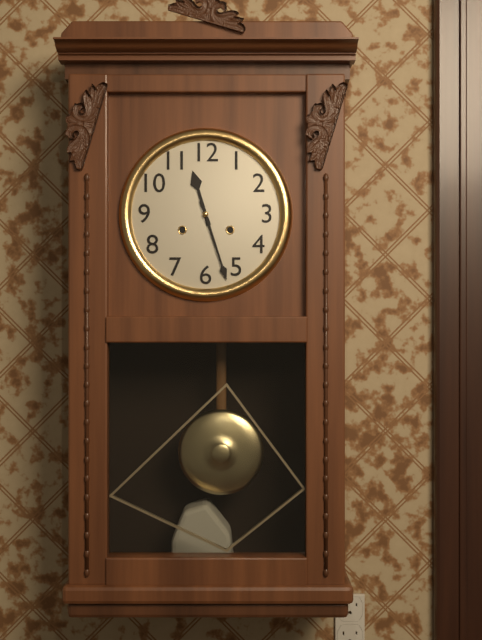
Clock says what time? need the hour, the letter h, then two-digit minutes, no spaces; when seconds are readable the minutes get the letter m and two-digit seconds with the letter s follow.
11h27
